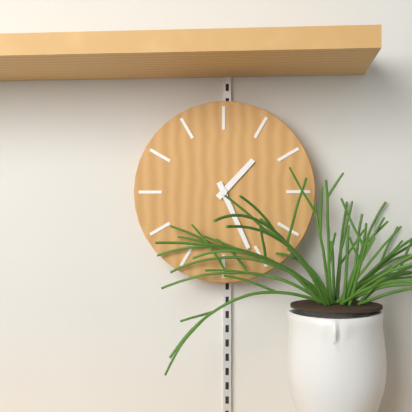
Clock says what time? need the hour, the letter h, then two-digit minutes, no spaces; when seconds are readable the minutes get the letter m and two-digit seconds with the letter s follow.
1h26
